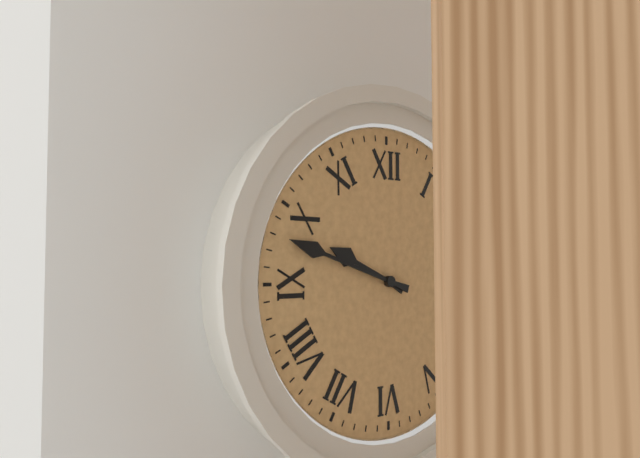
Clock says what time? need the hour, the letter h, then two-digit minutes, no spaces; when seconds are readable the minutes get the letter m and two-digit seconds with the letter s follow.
9h48
